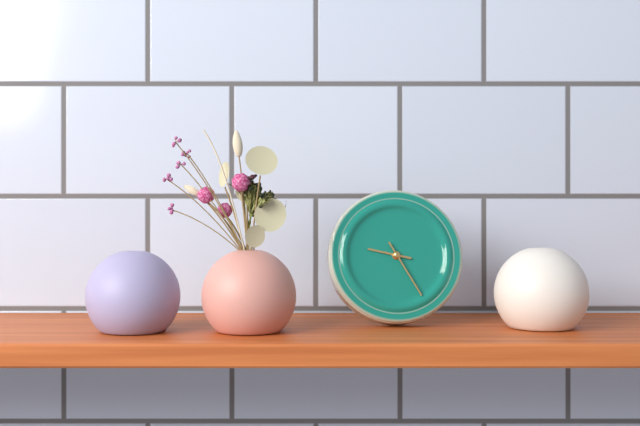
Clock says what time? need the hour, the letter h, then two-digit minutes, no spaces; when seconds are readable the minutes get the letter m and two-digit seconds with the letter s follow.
9h25
